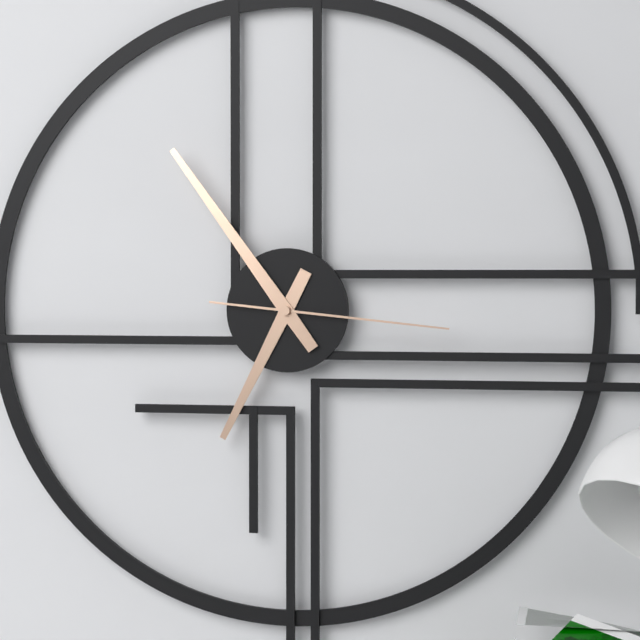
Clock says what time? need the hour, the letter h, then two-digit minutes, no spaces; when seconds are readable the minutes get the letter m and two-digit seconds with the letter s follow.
6h54m16s
